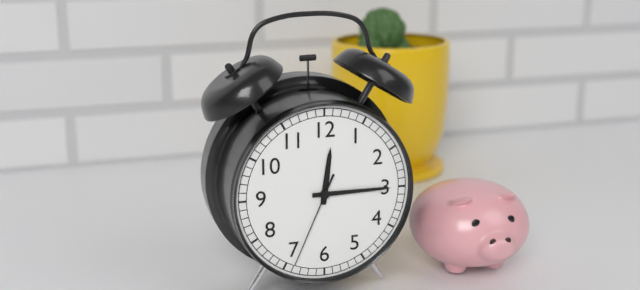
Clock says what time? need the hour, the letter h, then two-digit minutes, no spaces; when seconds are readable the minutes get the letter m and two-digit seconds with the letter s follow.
12h15m34s
